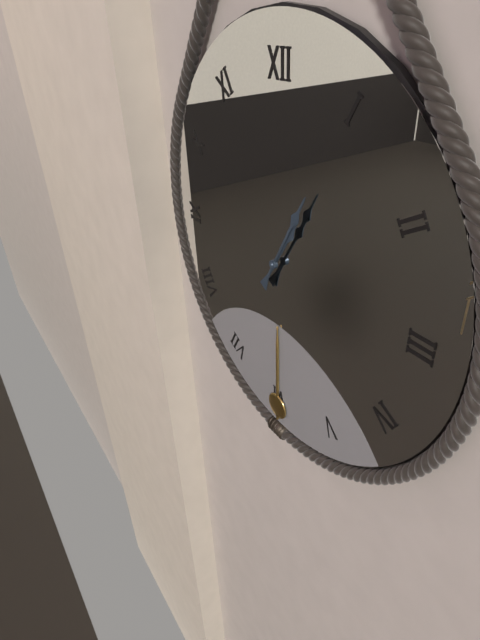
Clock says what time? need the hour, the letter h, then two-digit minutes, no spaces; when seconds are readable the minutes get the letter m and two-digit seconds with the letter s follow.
1h05
